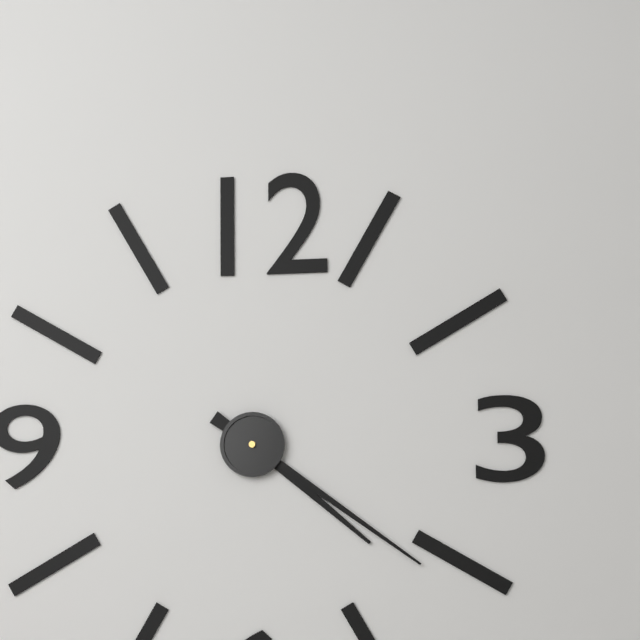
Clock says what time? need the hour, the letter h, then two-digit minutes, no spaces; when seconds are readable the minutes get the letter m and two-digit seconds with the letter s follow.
4h21
